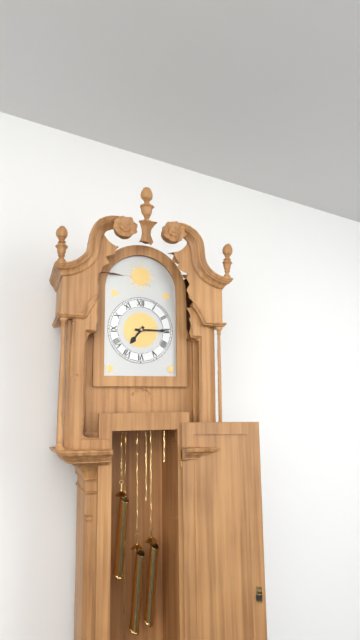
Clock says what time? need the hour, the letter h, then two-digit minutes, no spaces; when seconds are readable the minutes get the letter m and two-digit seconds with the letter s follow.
7h15
